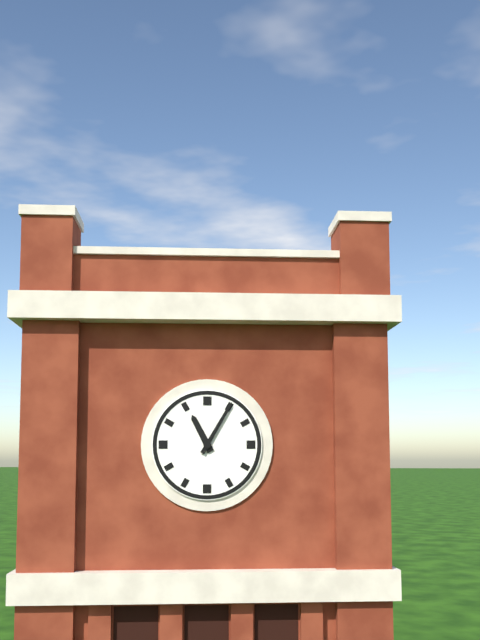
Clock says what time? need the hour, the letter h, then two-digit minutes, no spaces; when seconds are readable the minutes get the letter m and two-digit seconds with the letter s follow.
11h05
